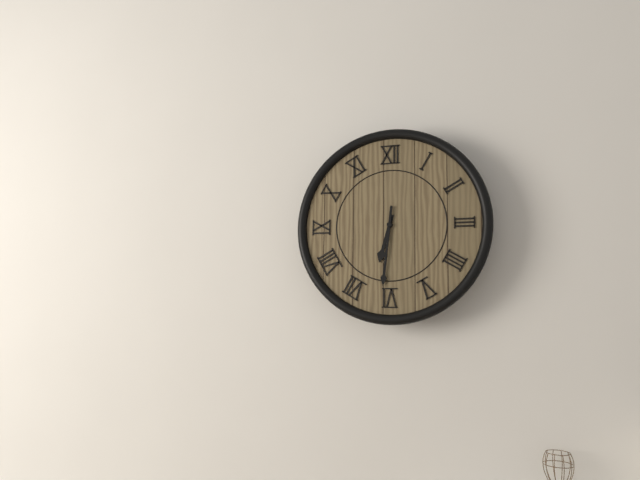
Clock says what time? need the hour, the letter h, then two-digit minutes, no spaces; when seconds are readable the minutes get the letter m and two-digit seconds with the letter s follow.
6h31
